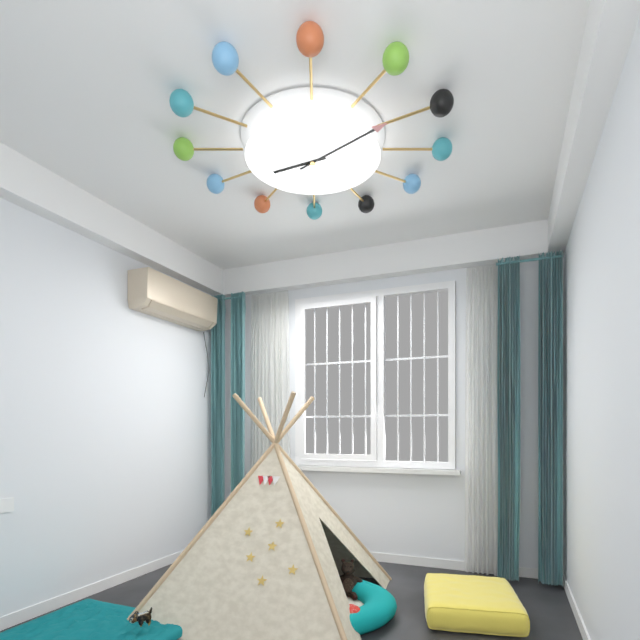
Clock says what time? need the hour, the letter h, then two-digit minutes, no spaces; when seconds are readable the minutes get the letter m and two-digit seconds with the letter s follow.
8h08
